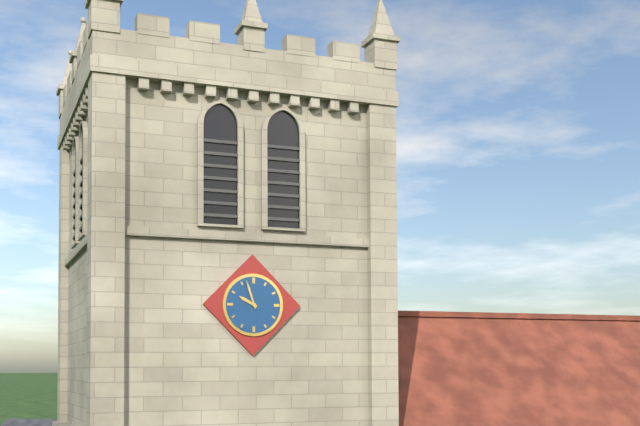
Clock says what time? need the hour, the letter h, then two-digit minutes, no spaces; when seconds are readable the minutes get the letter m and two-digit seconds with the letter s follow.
9h57
